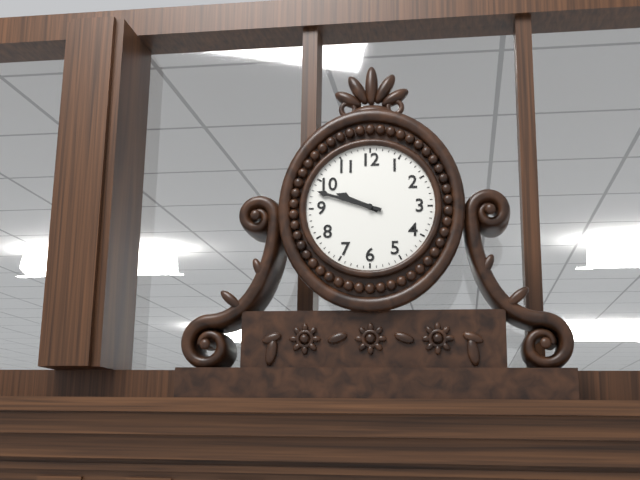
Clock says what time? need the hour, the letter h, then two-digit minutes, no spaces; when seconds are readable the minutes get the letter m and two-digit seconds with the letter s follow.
9h48
